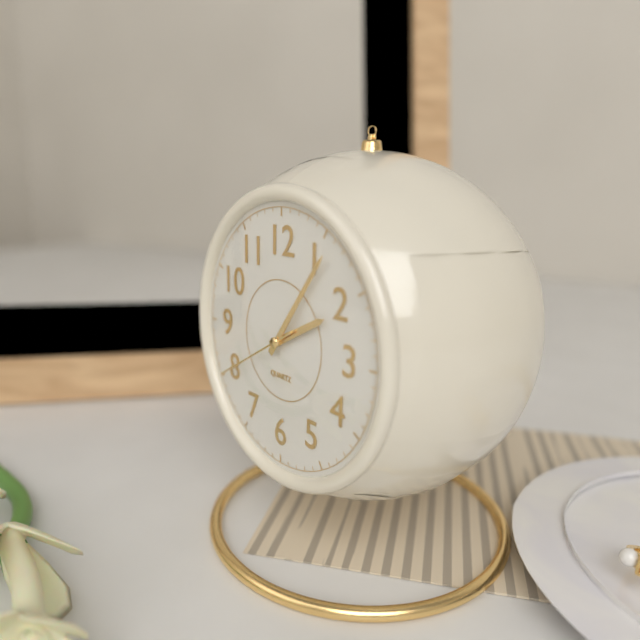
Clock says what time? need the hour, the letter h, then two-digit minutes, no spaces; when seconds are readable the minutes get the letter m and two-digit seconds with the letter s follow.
2h06m40s
